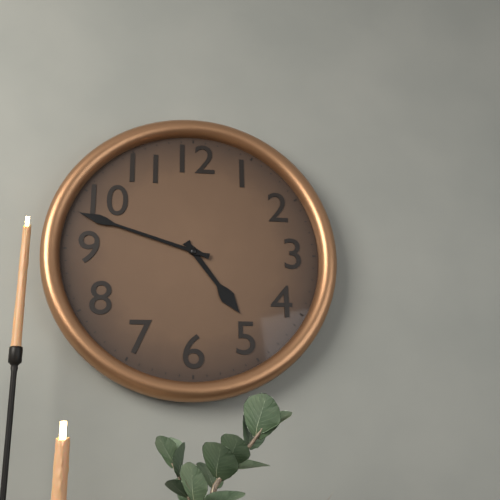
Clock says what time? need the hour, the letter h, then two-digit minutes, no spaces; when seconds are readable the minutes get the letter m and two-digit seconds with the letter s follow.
4h48
